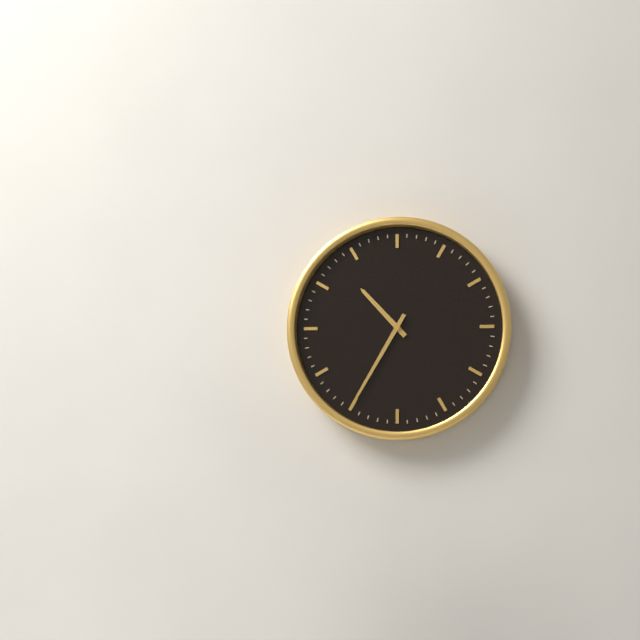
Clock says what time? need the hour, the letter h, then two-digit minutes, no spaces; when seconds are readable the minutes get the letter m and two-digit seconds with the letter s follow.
10h35
